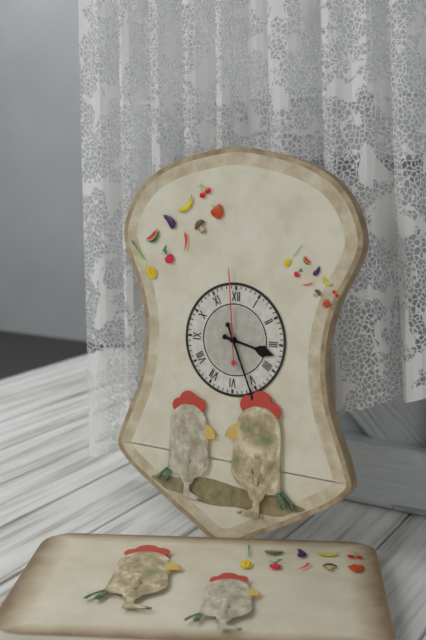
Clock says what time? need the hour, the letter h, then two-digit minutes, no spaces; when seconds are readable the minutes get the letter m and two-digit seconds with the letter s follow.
3h26m59s
